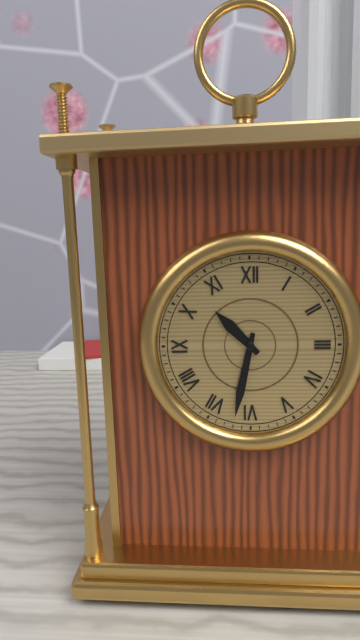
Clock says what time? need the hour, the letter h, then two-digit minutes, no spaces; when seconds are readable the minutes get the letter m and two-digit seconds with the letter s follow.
10h32
